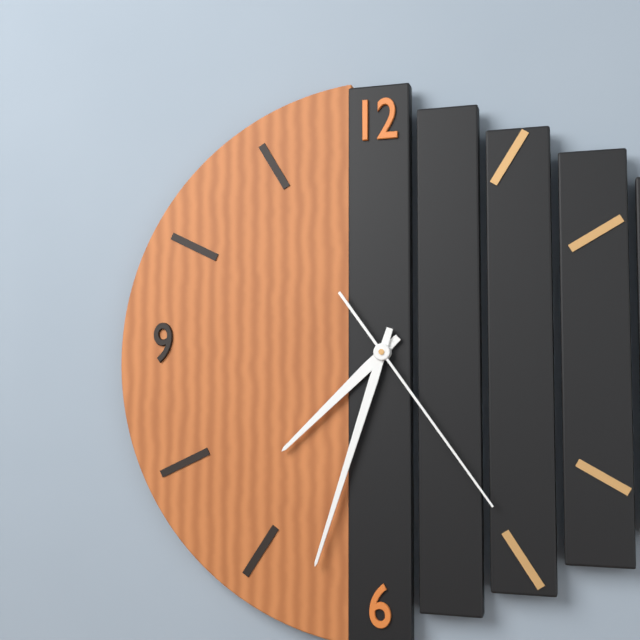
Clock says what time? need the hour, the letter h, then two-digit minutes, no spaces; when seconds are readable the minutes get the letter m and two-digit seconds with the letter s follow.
7h33m24s
